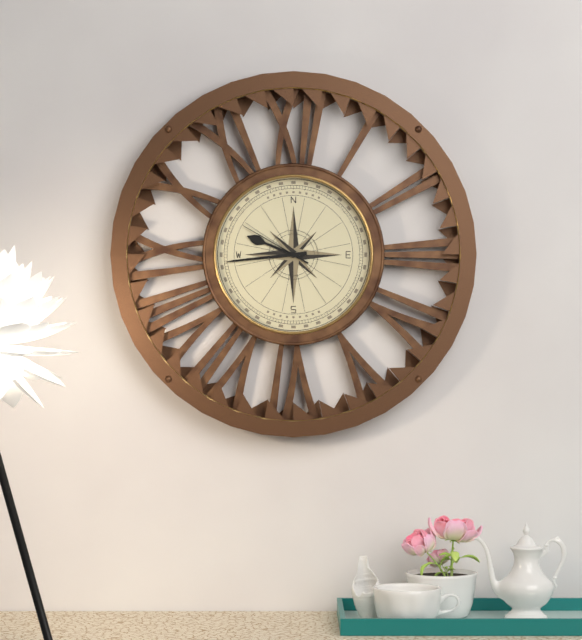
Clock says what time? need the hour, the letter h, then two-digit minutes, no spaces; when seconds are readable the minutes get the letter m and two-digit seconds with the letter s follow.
9h44m50s
